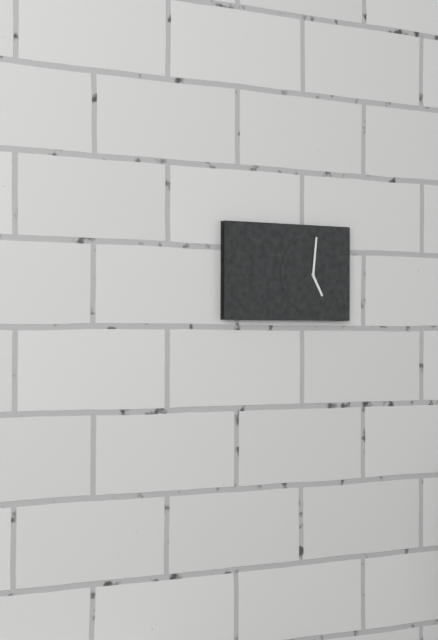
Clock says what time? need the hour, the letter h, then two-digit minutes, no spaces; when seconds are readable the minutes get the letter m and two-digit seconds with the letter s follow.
5h01
